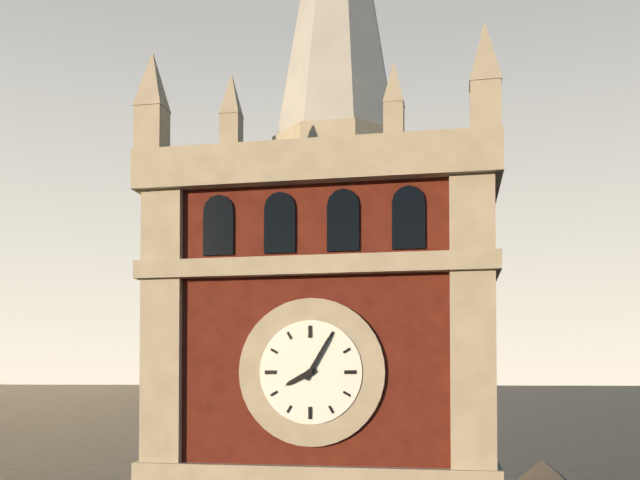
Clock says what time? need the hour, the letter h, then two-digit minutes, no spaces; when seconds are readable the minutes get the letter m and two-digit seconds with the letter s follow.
8h05
